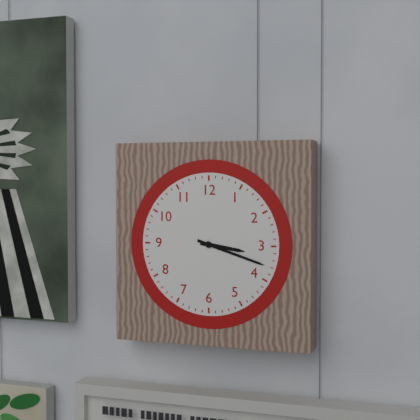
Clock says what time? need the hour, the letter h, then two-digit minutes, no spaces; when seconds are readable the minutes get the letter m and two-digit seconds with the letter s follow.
3h18
